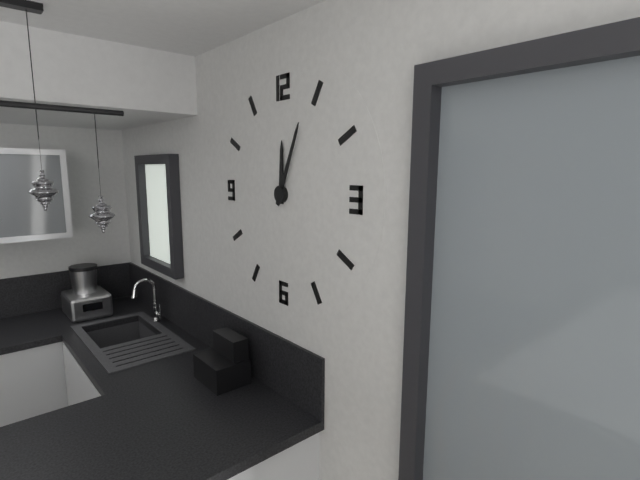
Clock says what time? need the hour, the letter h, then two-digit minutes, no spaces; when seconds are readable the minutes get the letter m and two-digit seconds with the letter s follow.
12h04
